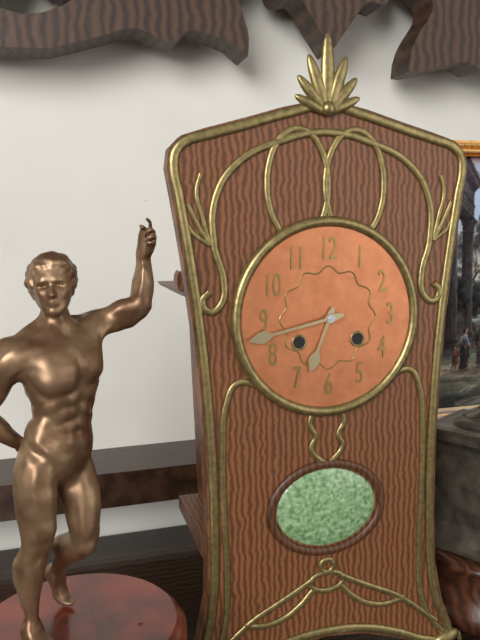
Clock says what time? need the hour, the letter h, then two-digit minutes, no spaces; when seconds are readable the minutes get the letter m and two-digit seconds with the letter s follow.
6h43
